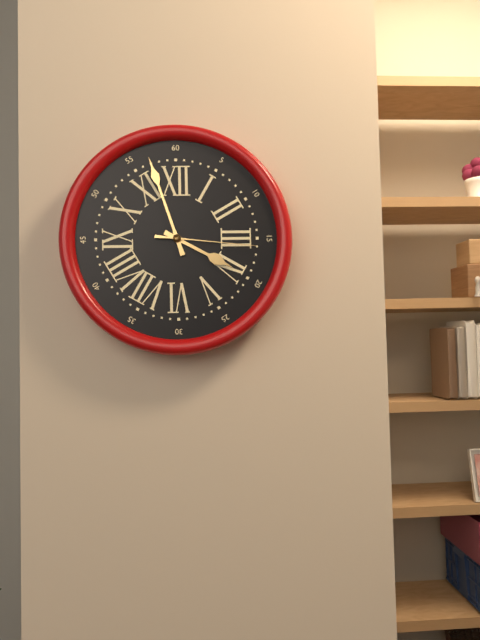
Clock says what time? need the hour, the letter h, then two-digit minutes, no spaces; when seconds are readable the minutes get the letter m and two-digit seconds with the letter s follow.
3h57m16s
